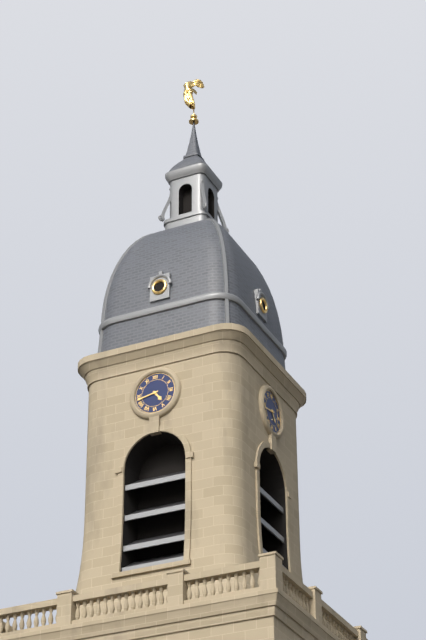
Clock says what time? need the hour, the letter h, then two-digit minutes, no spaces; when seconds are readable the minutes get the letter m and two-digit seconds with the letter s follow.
4h43
